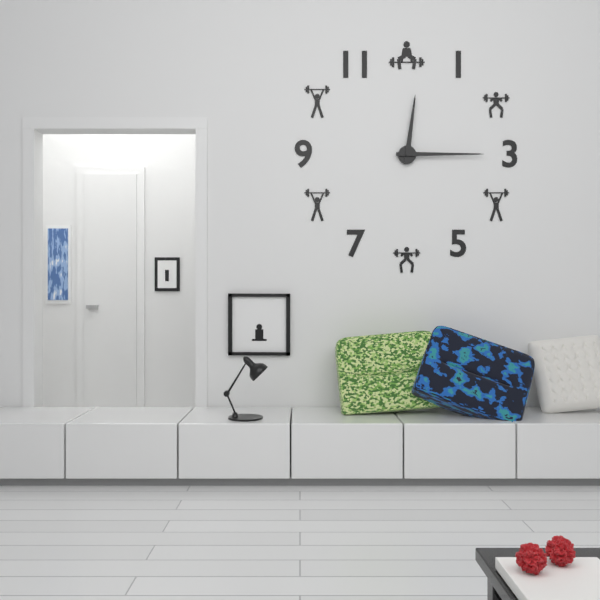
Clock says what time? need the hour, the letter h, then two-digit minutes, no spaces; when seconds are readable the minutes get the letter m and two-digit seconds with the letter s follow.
12h15
